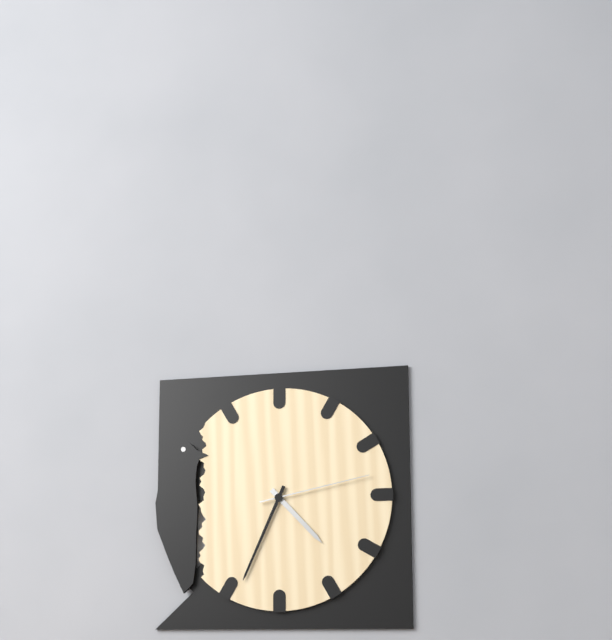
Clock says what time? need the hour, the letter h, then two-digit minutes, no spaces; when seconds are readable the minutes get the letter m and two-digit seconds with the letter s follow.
4h34m13s
